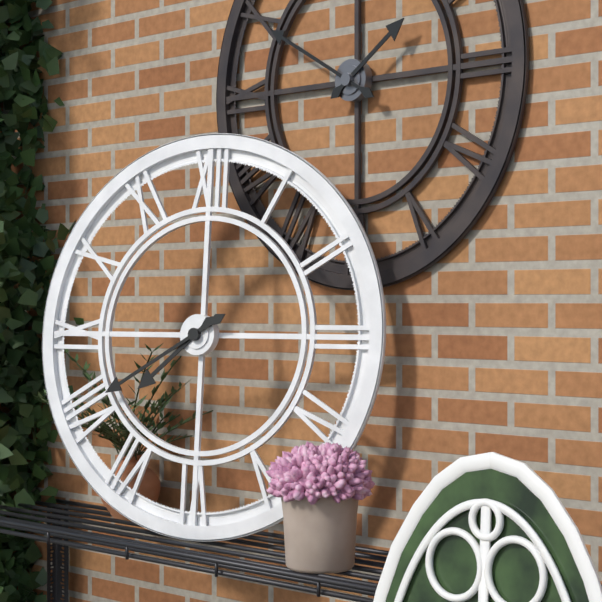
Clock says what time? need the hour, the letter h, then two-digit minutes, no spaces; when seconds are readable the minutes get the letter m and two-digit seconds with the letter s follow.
7h40
